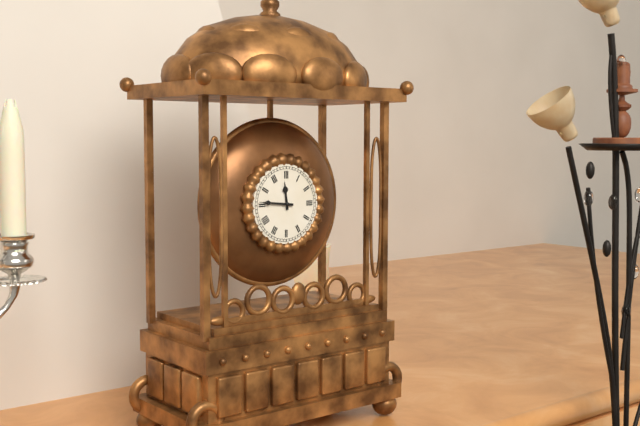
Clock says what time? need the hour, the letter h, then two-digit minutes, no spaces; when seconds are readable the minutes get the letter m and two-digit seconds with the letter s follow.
11h46
